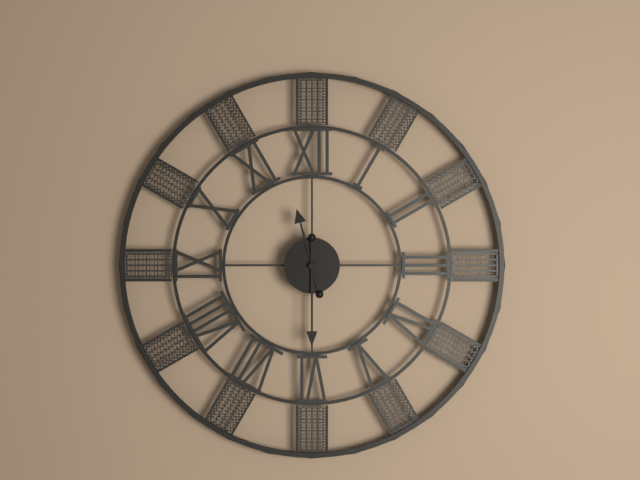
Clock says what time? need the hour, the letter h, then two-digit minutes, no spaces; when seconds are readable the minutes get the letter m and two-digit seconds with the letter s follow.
11h30
